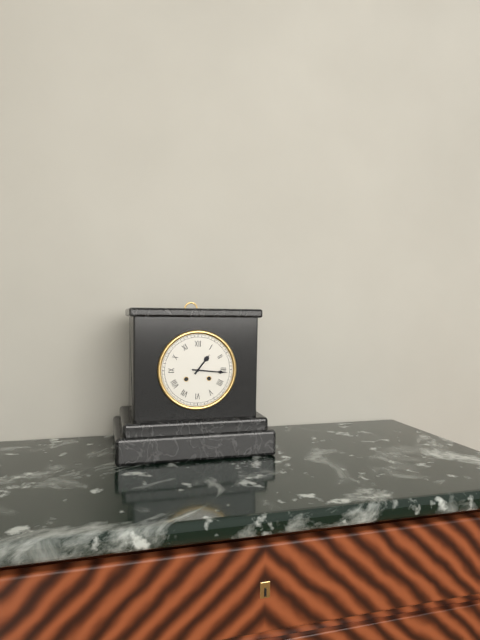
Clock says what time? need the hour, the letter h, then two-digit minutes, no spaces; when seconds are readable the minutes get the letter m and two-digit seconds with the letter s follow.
1h16
